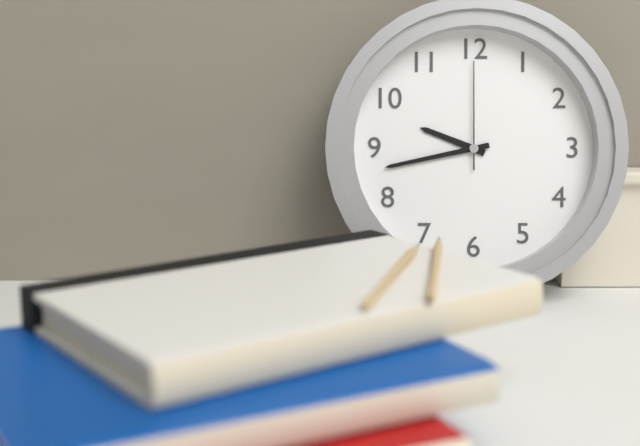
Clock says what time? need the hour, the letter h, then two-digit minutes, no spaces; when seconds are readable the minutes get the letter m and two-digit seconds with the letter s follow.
9h43m00s
